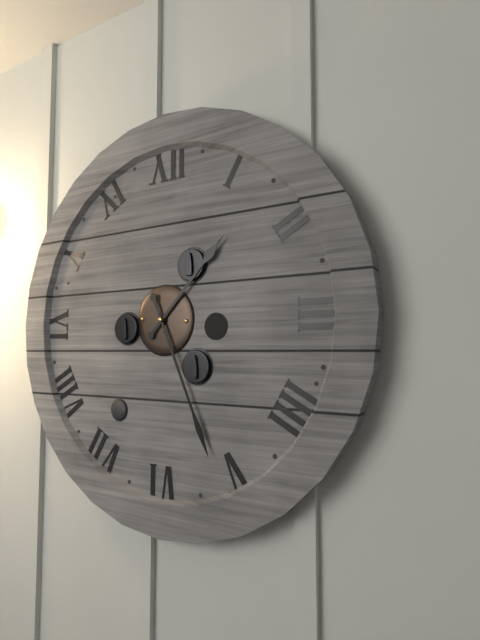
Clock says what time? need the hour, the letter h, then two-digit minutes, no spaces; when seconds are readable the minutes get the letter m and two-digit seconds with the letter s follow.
1h26
